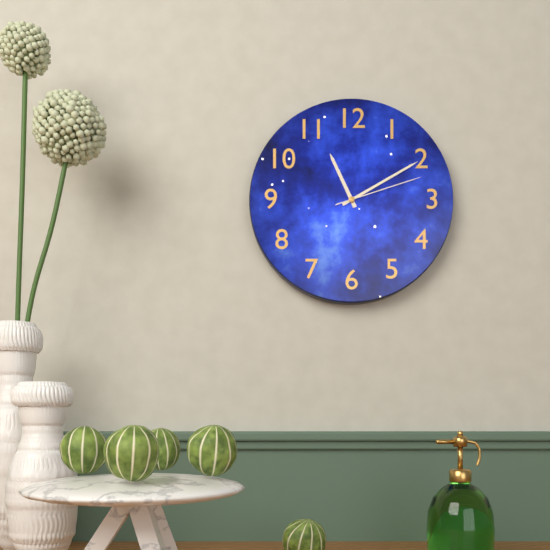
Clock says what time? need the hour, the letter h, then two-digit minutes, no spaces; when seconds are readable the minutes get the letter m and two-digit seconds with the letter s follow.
11h10m12s
